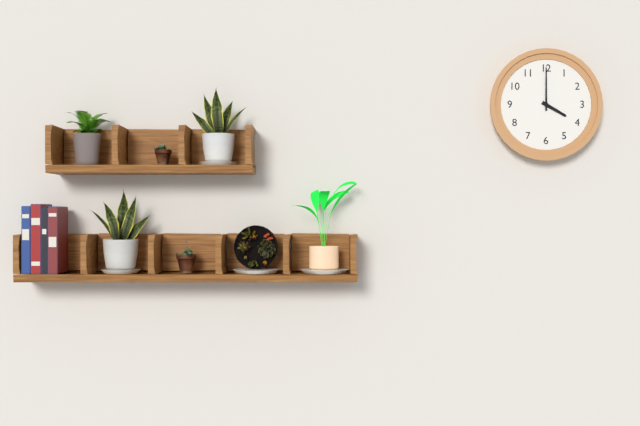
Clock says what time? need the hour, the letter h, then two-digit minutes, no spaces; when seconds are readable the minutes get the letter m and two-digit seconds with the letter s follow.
4h00
